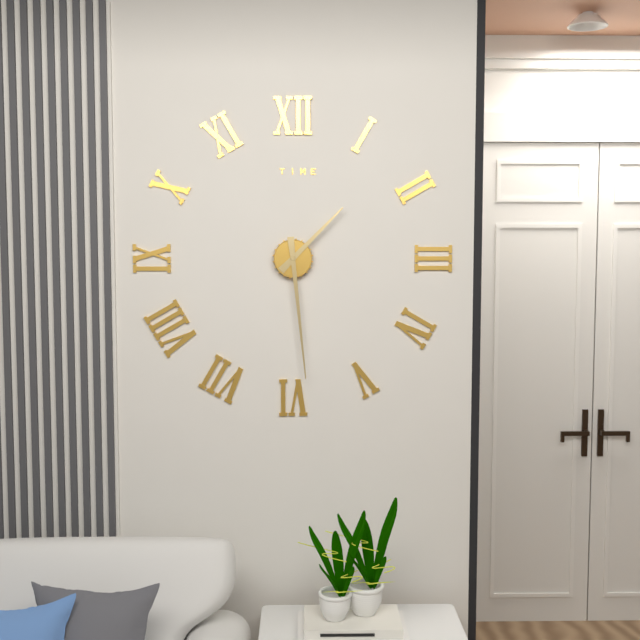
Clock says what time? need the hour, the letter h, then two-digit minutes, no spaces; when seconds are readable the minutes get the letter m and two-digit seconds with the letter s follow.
1h29
